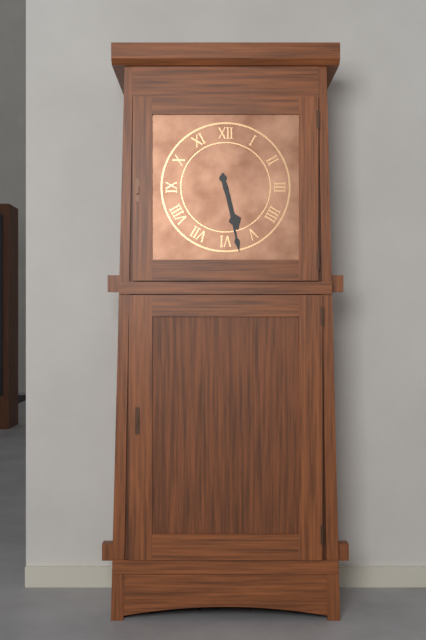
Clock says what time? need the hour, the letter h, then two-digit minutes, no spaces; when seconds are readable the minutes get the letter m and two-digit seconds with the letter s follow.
5h28
